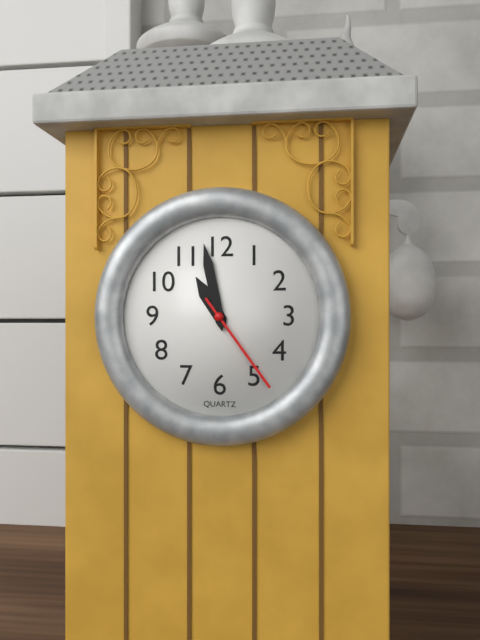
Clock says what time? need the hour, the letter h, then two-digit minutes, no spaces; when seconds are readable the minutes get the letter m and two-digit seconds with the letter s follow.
10h58m24s
